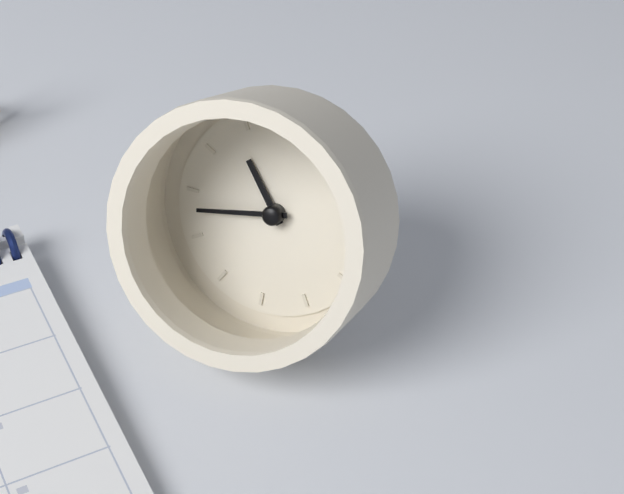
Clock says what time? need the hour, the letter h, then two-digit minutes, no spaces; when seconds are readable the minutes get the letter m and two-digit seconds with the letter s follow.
10h43
